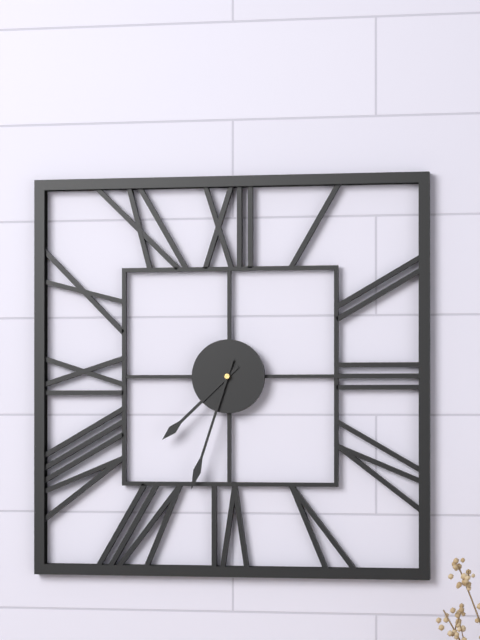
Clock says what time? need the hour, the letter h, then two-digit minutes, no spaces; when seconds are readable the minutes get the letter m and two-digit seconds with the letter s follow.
7h33
